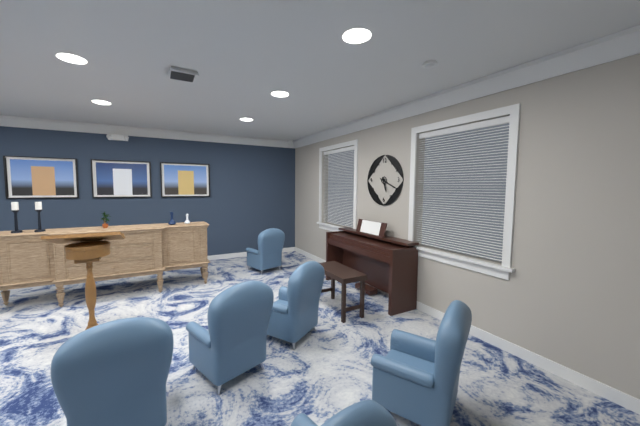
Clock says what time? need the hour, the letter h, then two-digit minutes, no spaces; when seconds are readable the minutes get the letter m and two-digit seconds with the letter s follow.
5h19
